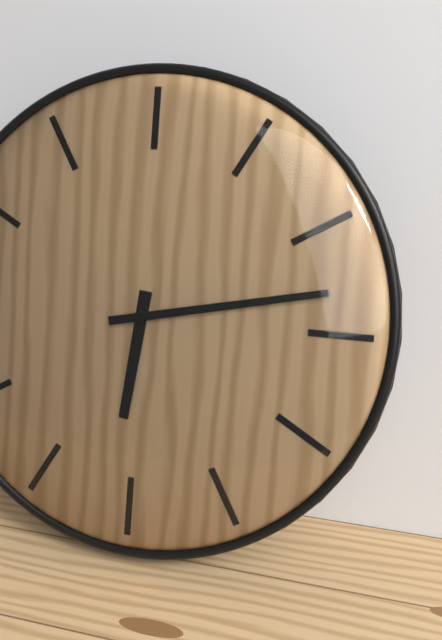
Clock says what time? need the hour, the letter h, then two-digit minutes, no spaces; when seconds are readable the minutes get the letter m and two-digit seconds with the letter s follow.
6h13
